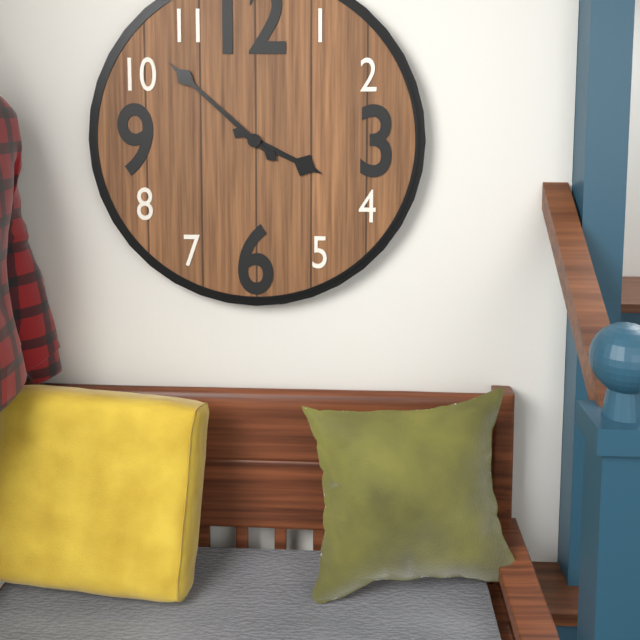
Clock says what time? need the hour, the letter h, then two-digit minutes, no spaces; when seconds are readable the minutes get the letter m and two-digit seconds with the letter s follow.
3h52
